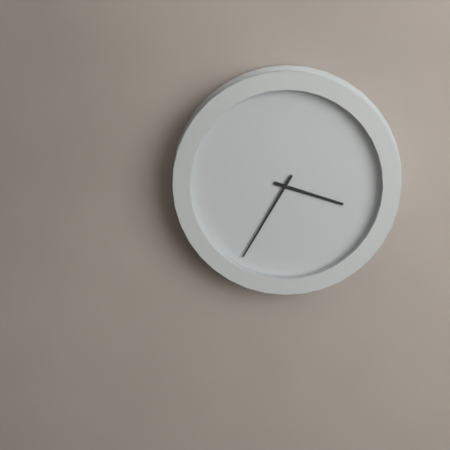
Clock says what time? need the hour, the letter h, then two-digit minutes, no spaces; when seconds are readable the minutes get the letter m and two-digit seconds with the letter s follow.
3h35
